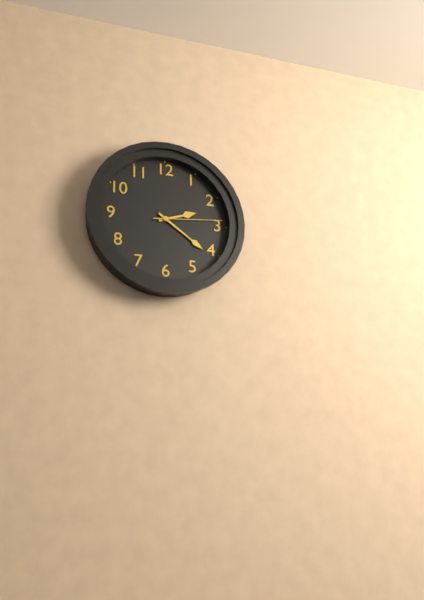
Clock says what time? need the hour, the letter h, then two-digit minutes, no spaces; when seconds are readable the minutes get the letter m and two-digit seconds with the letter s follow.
2h21m14s
